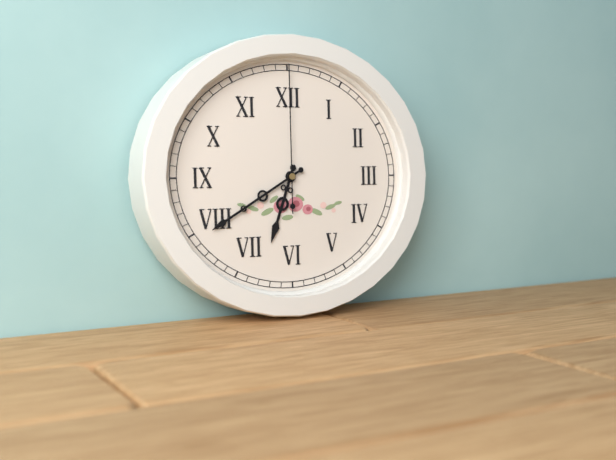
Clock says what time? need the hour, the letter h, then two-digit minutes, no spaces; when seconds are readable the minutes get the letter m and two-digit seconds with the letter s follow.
6h40m00s
